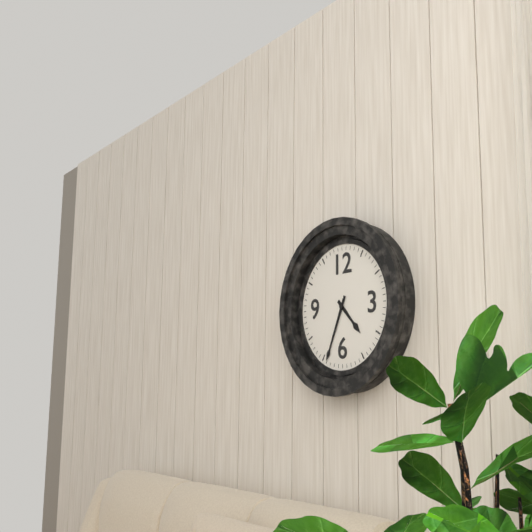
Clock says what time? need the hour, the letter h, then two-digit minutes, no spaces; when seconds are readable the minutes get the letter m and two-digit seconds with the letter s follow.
4h34
